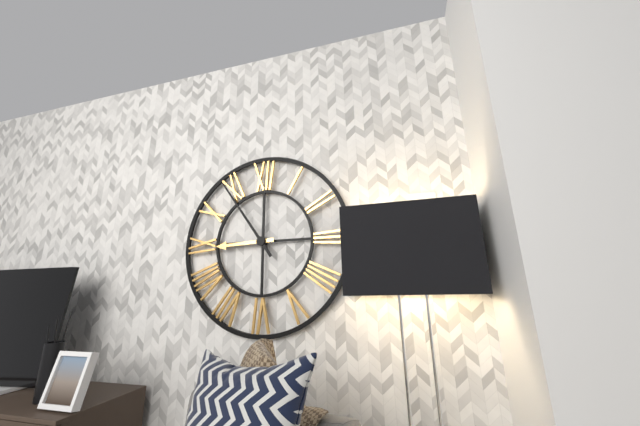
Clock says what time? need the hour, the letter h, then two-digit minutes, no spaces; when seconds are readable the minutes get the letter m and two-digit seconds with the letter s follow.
8h54
